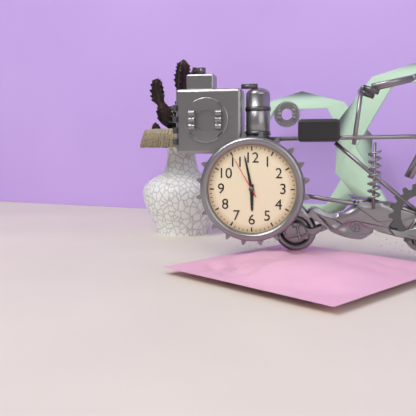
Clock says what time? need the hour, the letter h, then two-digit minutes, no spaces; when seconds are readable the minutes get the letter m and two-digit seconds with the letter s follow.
5h58
